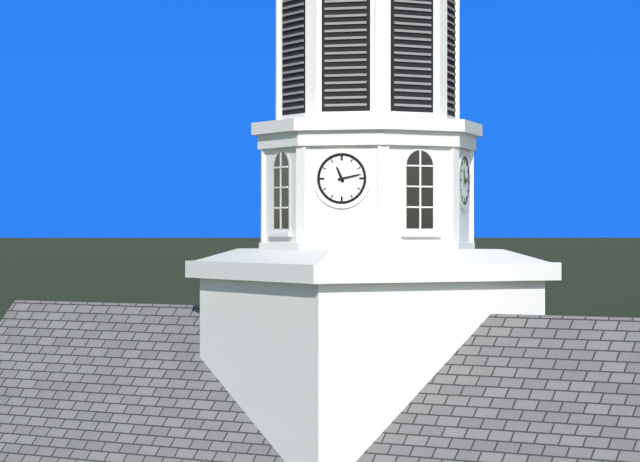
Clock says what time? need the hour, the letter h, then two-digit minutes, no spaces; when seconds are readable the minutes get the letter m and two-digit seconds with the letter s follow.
11h13
